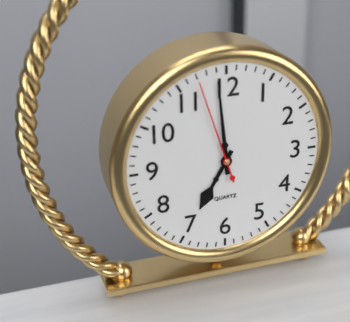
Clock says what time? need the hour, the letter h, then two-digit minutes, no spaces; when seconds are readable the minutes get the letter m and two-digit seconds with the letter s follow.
6h59m57s
